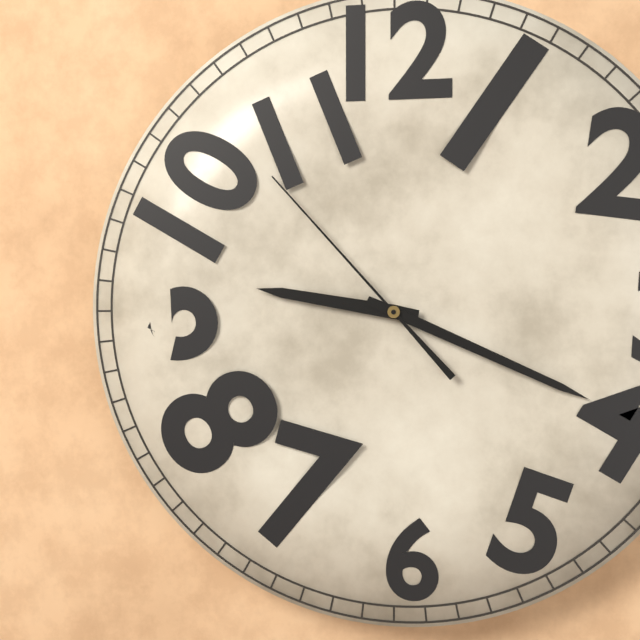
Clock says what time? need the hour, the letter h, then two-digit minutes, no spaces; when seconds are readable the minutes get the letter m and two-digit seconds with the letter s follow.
9h19m53s
